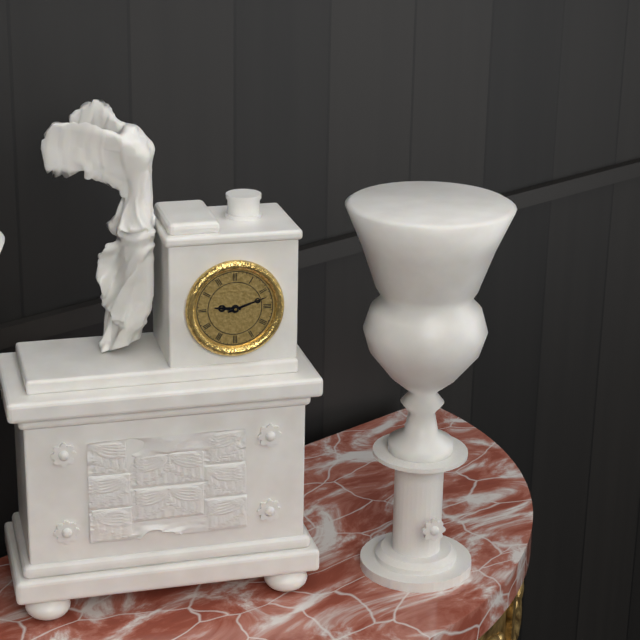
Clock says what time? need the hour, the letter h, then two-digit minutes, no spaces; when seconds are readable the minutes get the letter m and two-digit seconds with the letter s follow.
9h12
